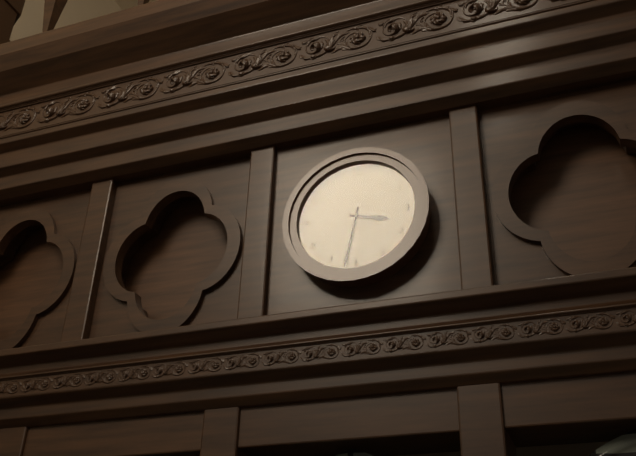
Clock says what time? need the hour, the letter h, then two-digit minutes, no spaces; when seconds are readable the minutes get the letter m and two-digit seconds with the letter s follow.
3h32
